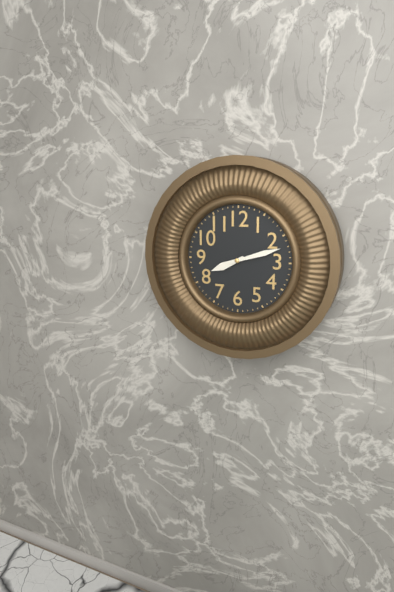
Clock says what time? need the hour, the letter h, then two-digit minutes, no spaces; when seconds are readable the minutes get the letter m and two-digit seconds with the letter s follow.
8h12
